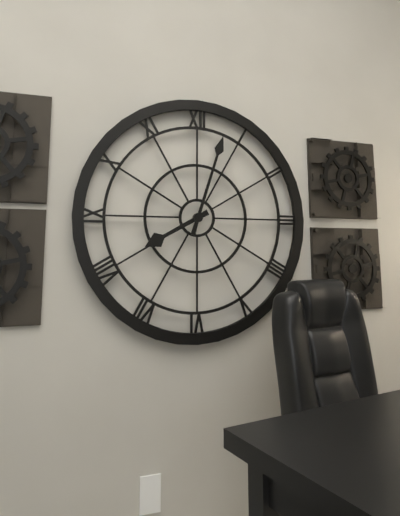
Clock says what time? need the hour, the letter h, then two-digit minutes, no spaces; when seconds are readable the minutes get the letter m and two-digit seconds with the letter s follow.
8h03
